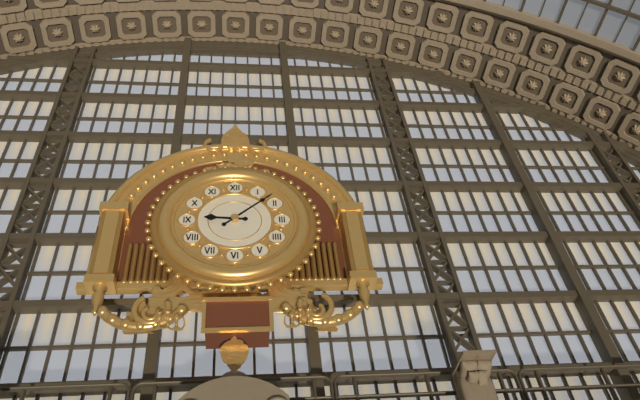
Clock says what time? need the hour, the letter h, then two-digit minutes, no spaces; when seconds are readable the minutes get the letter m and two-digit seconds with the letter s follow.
9h08
